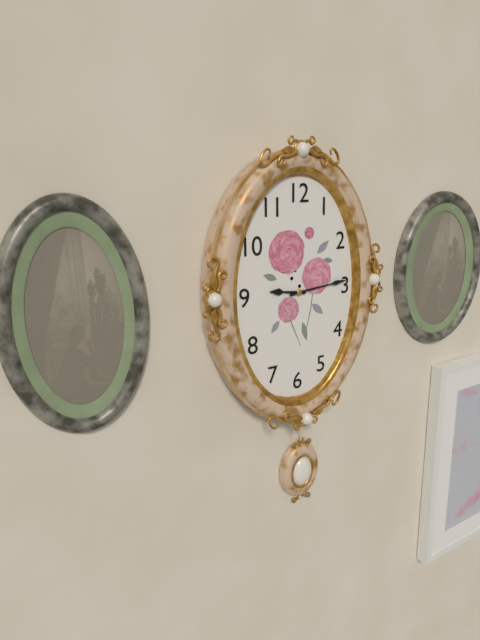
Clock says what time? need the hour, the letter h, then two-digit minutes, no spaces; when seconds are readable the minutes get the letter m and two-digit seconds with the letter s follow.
9h14
